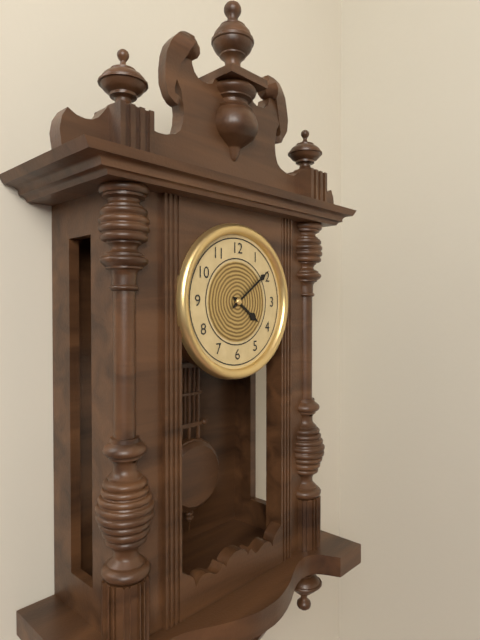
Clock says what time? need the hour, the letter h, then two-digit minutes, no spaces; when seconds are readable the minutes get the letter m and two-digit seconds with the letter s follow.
4h09
